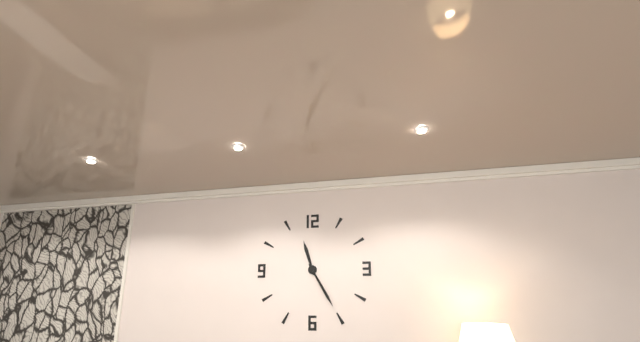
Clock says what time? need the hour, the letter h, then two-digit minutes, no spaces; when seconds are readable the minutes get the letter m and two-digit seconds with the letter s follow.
11h25
